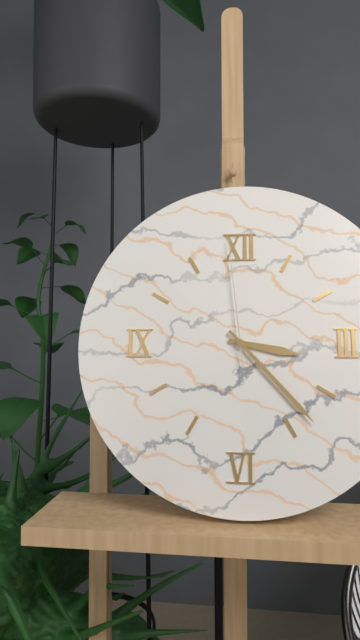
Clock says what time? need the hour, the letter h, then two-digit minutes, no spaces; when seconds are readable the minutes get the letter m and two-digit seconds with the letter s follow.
3h23m59s
